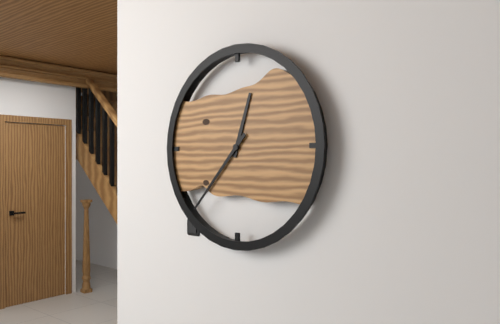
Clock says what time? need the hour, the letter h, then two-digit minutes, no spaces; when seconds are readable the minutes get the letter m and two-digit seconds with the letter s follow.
12h37
